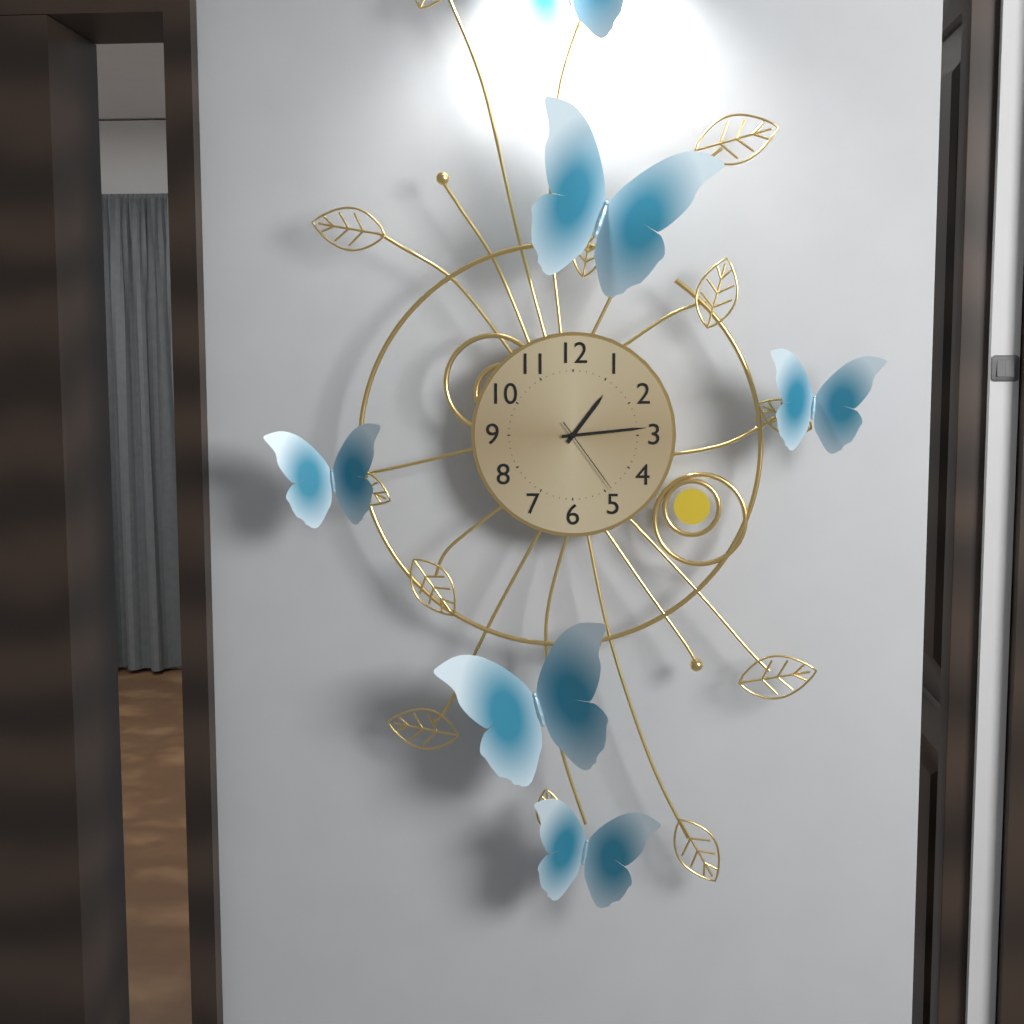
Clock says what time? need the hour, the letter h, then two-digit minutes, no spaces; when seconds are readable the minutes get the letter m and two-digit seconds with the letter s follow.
1h14m24s
